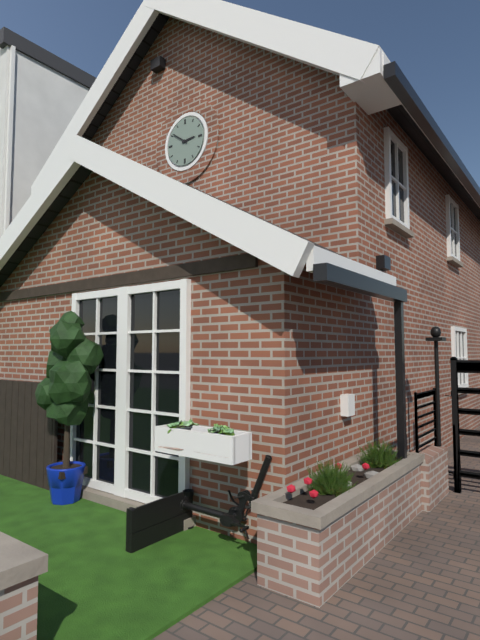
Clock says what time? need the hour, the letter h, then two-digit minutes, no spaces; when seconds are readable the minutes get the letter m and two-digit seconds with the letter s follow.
2h51
